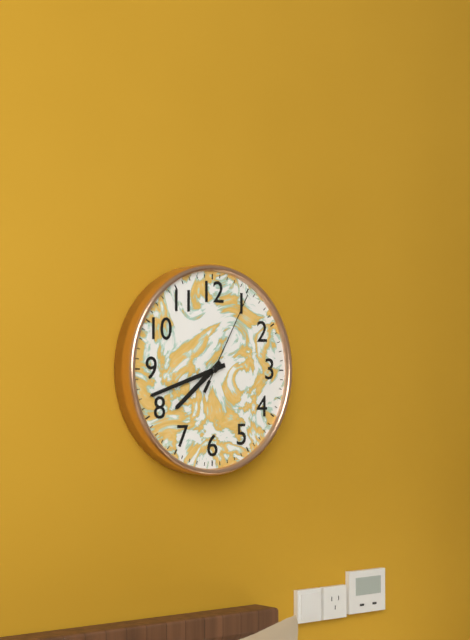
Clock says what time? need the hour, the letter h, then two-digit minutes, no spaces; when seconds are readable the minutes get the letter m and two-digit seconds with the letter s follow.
7h42m05s
